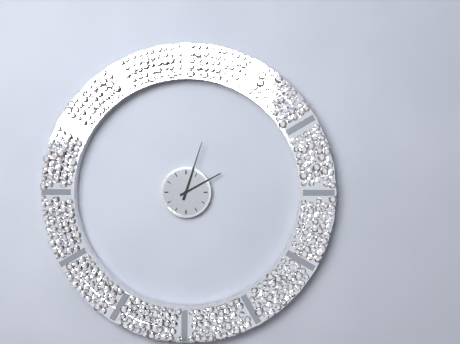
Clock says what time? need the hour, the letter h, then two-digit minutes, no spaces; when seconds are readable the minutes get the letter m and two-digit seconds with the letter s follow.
2h03
